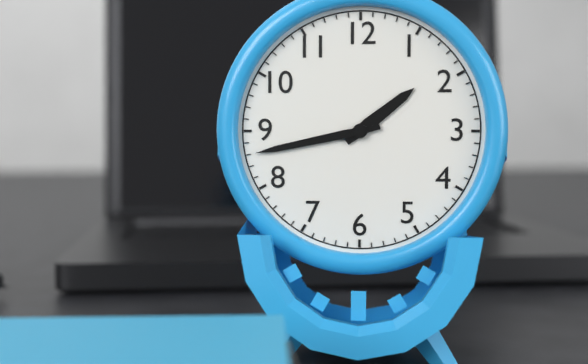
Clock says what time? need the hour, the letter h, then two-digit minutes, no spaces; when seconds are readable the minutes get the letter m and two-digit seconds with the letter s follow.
1h43
